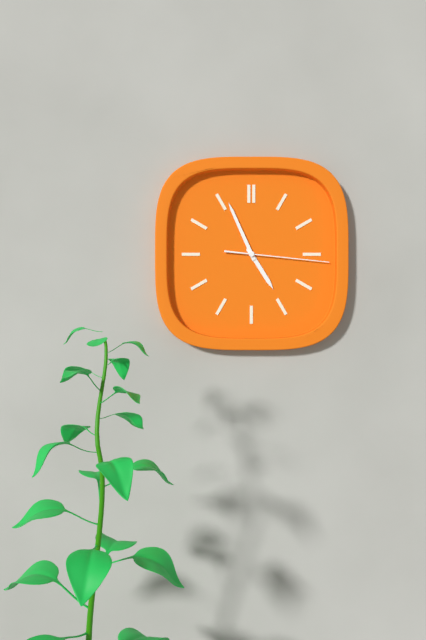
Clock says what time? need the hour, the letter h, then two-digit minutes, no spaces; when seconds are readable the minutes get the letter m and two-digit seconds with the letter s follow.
4h56m16s
